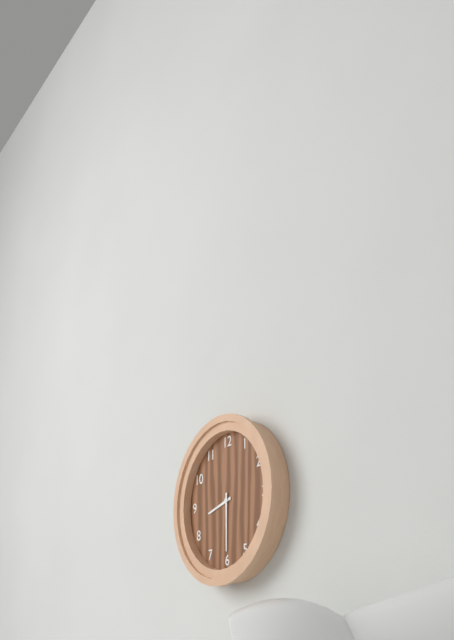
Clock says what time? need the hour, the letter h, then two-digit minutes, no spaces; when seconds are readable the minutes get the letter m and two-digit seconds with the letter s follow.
8h30
